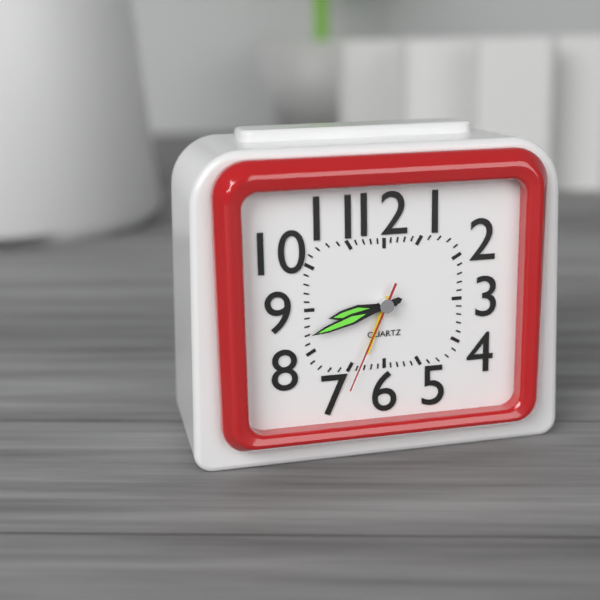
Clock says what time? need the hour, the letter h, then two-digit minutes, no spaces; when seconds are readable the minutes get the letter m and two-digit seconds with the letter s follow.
8h42m34s
